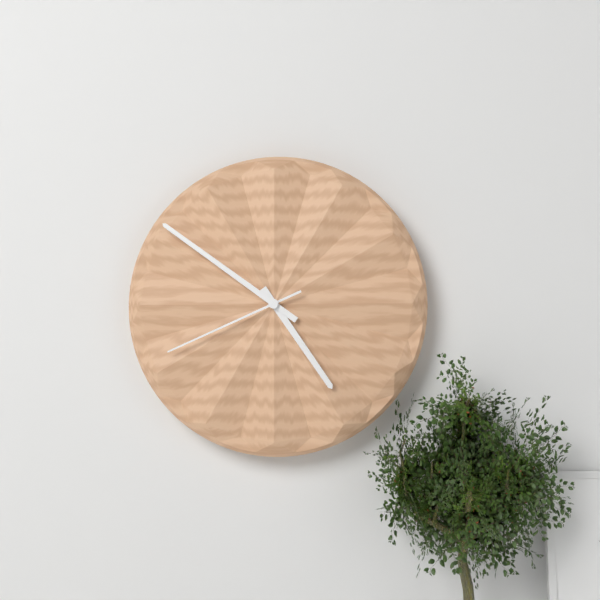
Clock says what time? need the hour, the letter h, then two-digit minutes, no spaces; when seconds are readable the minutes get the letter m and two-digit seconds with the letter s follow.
4h51m41s
